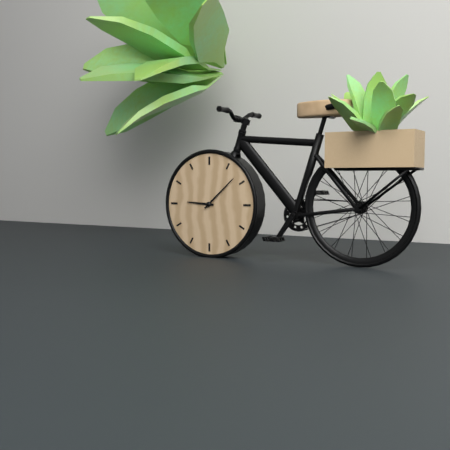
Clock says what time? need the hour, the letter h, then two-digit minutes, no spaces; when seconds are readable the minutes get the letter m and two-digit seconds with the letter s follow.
9h08
